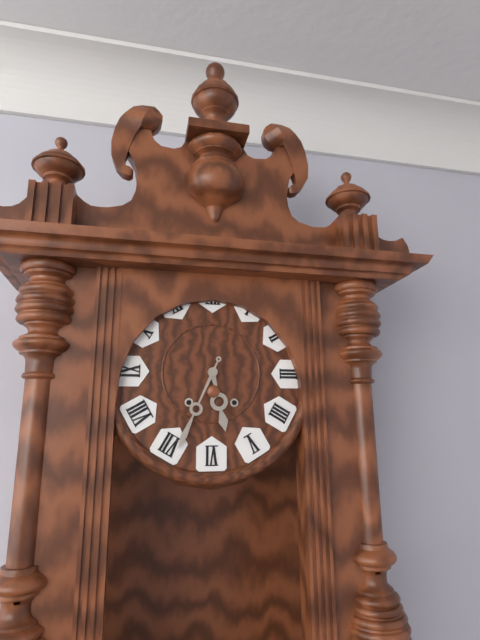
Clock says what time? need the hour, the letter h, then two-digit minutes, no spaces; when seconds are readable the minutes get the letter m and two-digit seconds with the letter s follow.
5h34
